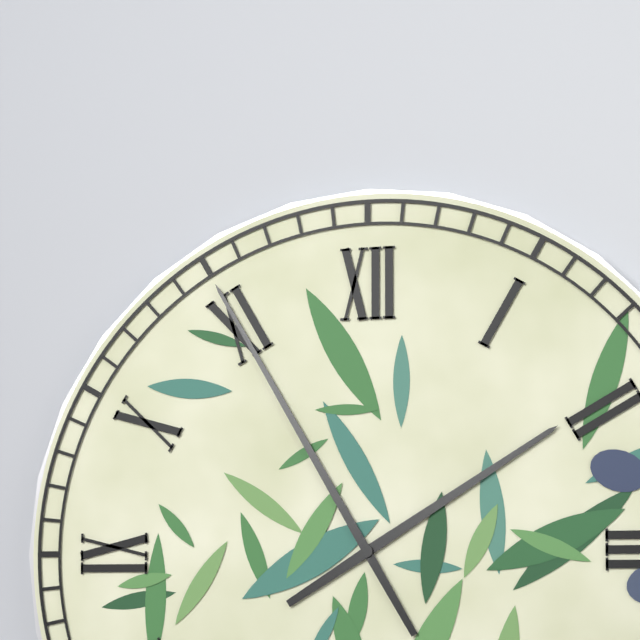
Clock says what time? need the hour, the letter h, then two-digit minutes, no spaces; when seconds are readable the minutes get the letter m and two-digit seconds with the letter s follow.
1h55
